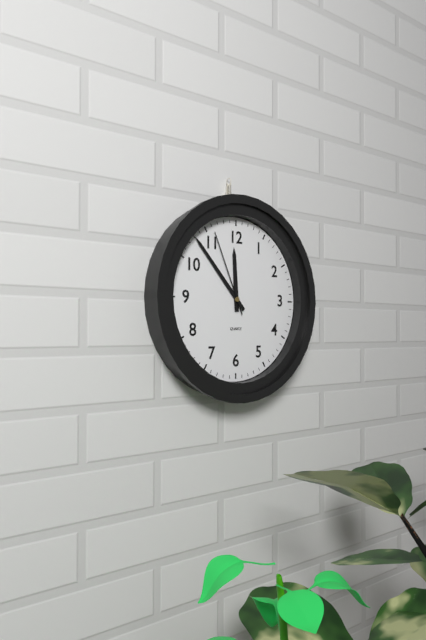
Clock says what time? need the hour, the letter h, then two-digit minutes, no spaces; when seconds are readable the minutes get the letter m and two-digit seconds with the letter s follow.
11h53m56s
